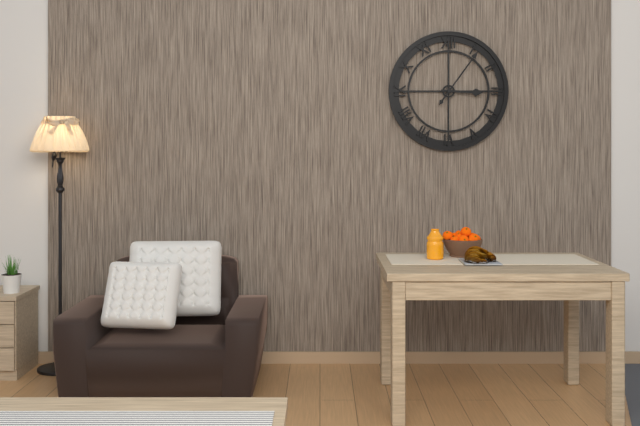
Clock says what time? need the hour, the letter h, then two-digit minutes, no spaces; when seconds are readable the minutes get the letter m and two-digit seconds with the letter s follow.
3h06
